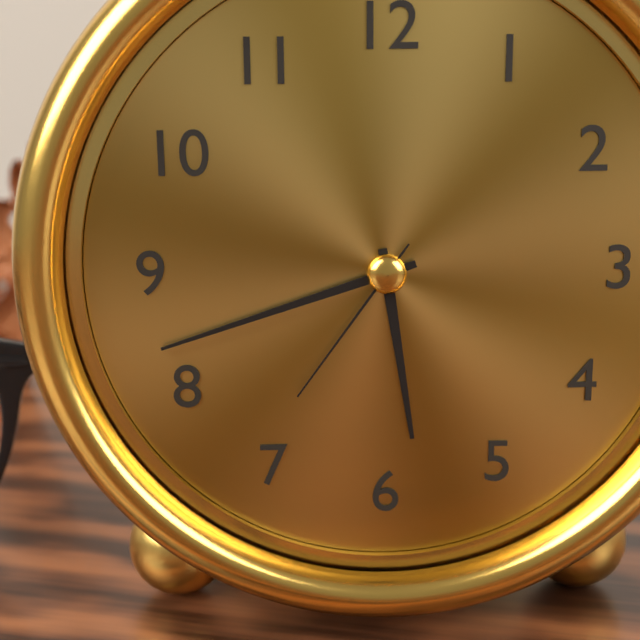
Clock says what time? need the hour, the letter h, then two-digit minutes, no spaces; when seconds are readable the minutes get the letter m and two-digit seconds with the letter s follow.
5h42m36s
